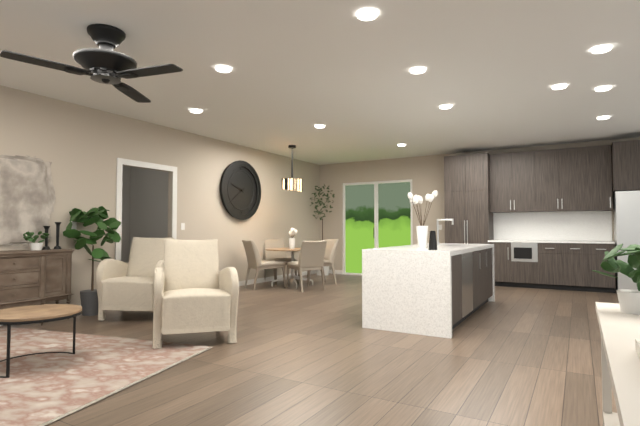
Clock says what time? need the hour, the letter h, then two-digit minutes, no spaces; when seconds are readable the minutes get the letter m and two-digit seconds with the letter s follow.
9h39
